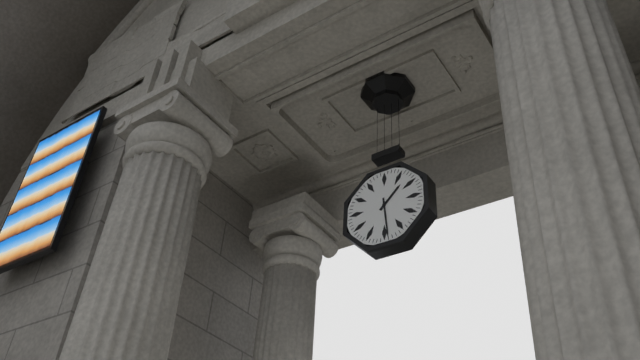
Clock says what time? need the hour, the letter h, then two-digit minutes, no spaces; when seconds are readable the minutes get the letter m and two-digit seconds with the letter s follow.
1h29
